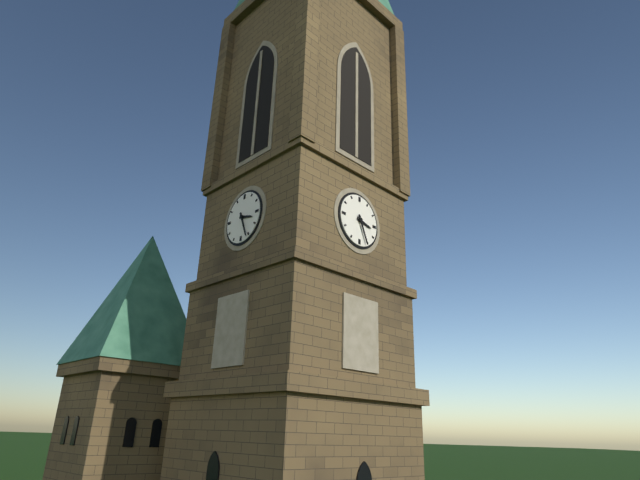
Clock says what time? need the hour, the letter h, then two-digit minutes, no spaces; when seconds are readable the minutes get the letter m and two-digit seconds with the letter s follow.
3h26
